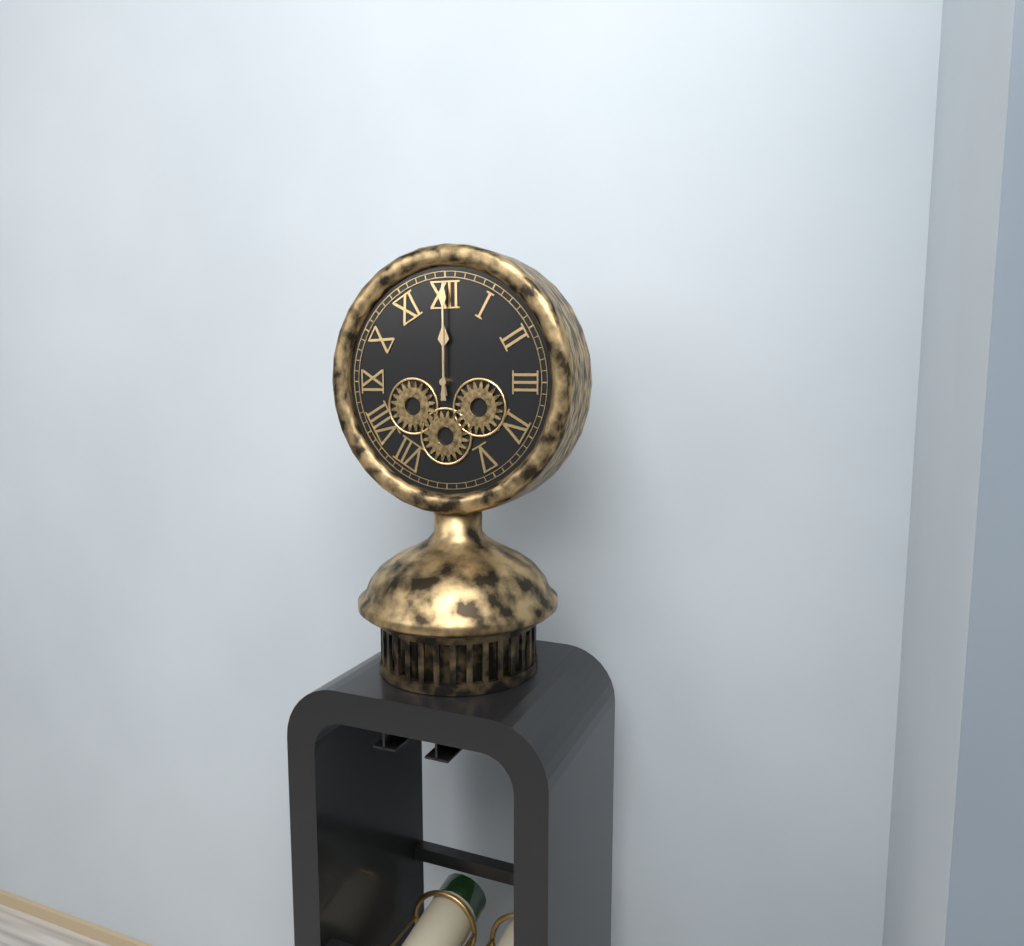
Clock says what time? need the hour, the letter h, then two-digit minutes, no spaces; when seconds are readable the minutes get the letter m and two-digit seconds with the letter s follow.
12h00
